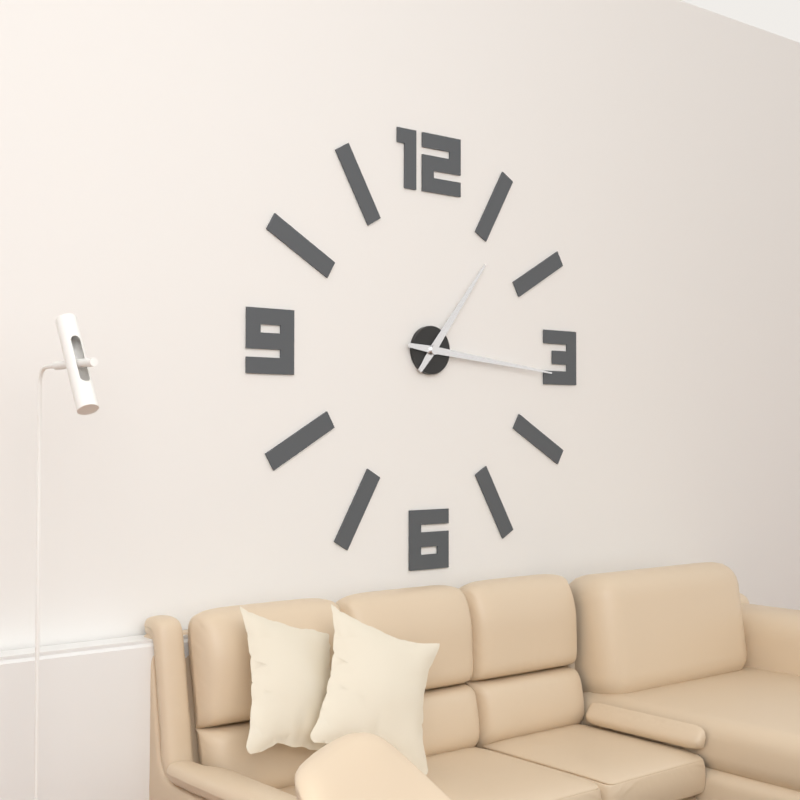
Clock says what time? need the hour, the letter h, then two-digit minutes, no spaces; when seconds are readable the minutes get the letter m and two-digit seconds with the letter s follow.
1h16
